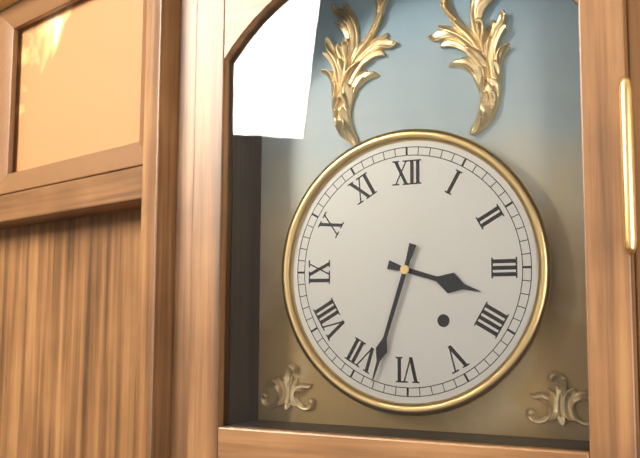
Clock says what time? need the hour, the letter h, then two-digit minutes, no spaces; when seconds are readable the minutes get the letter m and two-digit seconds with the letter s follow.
3h33
